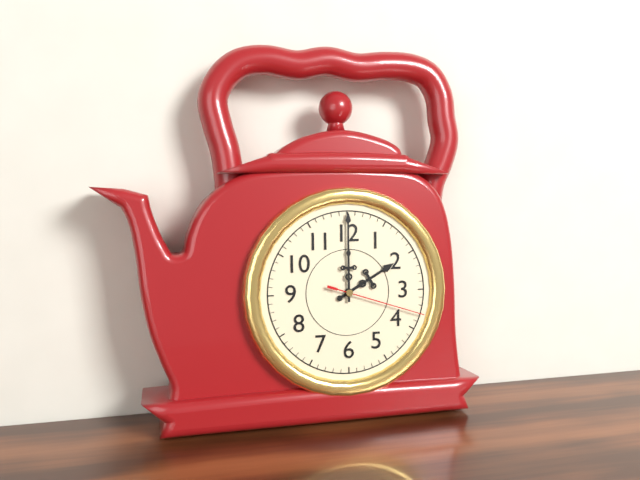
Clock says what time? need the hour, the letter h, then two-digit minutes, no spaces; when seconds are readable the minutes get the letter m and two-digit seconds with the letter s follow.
2h00m18s
